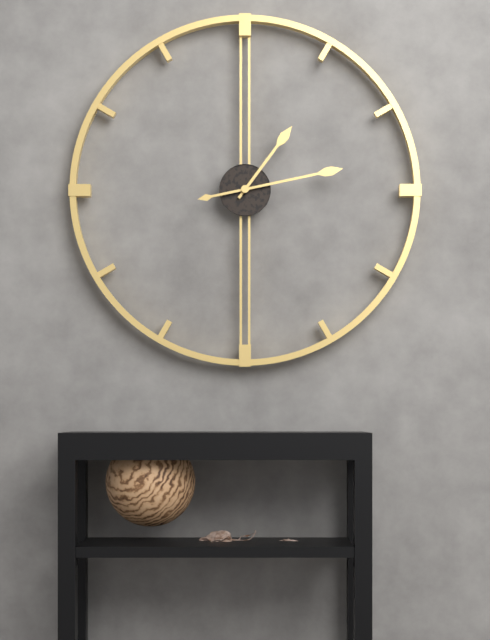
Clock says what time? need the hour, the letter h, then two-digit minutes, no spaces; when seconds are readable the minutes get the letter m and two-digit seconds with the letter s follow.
1h13
